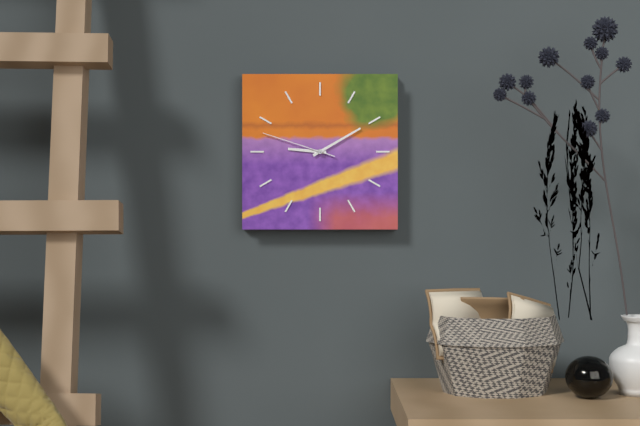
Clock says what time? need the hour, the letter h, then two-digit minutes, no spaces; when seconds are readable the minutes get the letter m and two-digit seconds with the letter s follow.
9h10m48s
